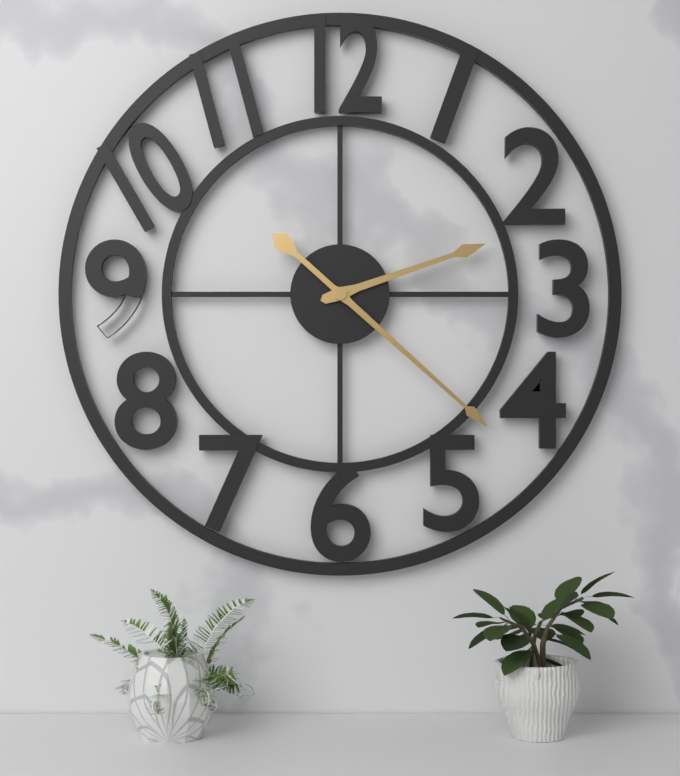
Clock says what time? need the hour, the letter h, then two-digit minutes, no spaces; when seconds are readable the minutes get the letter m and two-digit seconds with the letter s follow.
2h22
